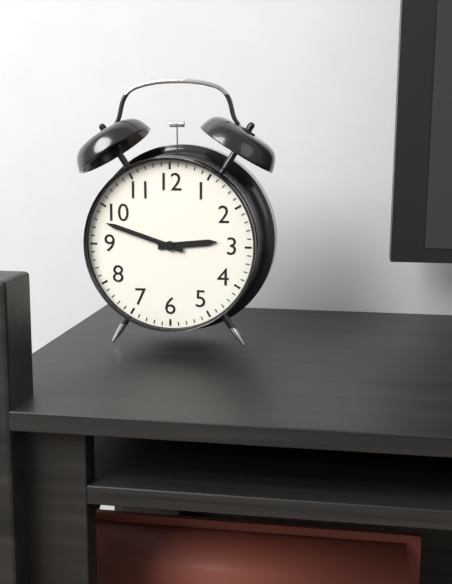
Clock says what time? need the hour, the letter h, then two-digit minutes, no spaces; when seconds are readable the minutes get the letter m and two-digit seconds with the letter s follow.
2h48
